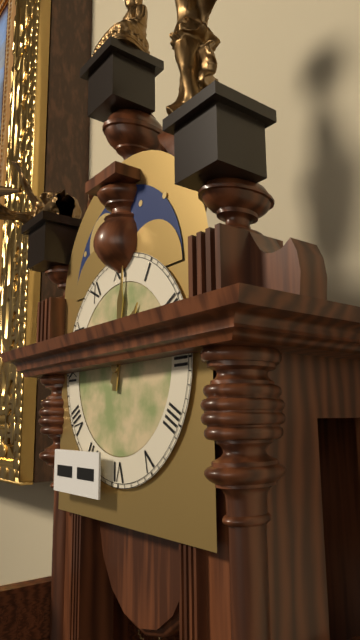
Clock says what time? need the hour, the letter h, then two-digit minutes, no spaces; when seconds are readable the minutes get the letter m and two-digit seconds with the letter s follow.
1h01
